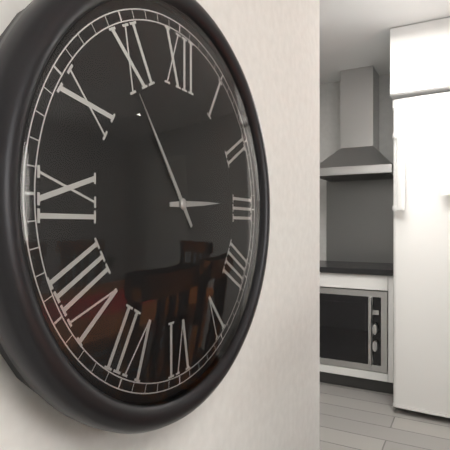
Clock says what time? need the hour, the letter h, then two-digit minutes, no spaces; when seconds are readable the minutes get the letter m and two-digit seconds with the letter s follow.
2h54
